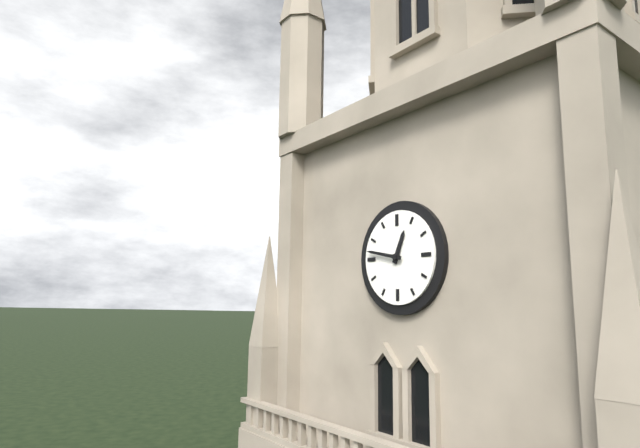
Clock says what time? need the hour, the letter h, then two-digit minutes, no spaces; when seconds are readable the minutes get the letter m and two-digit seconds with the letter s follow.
12h47
